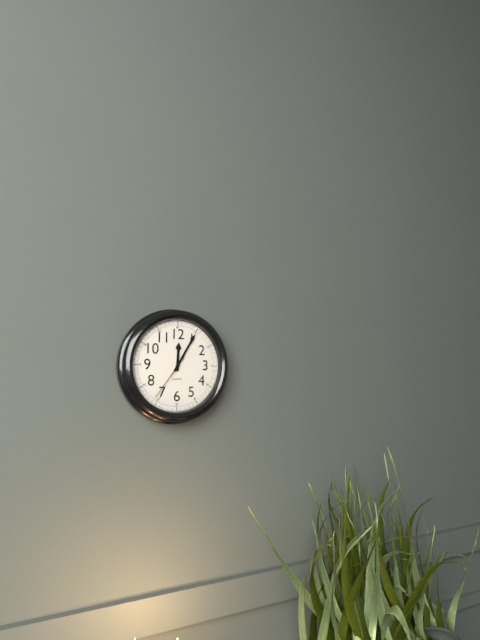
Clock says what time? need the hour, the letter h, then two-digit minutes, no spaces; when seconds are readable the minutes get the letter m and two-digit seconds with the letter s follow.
12h05
